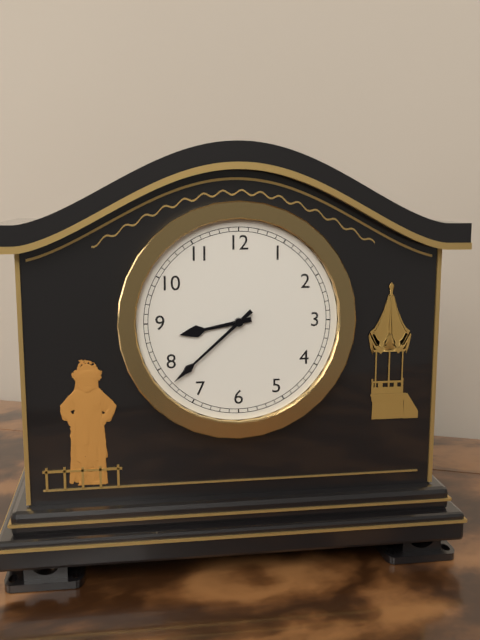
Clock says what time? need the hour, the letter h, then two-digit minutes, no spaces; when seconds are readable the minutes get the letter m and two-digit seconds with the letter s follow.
8h38
